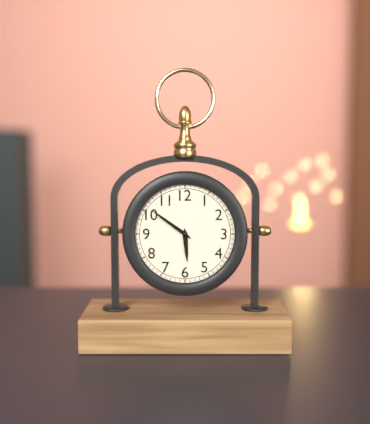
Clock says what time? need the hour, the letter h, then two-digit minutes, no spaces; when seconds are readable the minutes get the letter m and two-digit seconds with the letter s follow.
5h51
